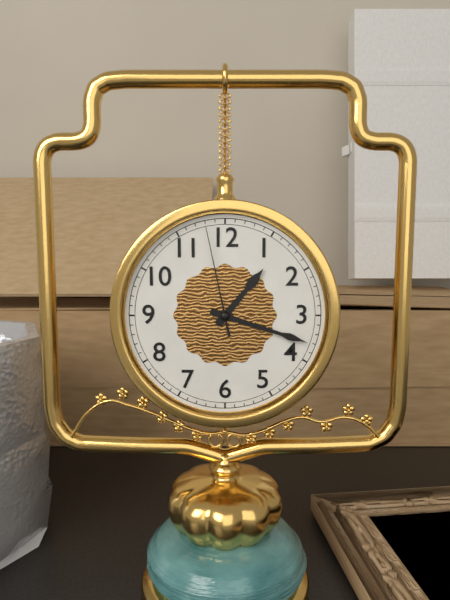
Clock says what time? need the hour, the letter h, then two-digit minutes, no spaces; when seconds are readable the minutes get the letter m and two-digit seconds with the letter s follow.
1h18m58s
